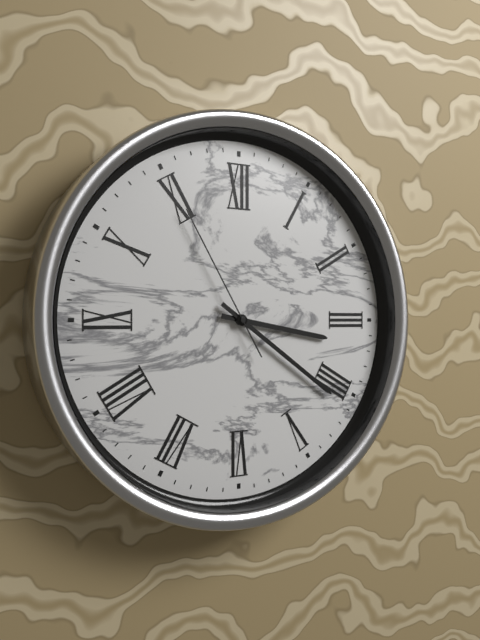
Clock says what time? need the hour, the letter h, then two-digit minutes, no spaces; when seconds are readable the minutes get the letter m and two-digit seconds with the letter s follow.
3h21m55s
